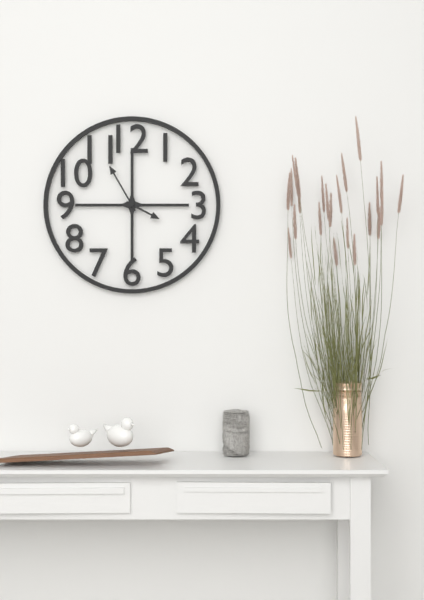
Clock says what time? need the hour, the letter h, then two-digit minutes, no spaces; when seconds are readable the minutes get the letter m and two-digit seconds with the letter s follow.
3h55
